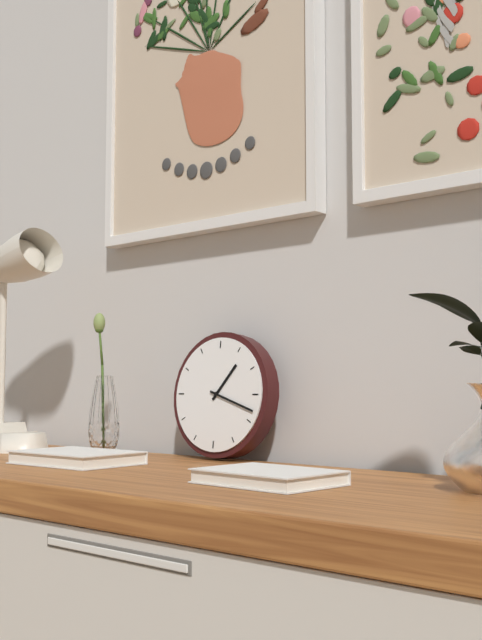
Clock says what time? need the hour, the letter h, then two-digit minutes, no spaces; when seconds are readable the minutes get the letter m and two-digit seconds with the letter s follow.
1h18
